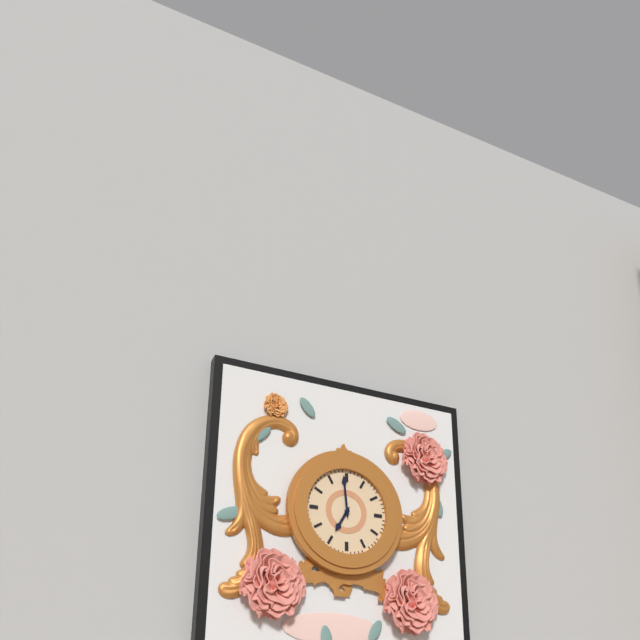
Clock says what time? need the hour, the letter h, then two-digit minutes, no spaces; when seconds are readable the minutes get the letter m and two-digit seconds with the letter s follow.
6h59
